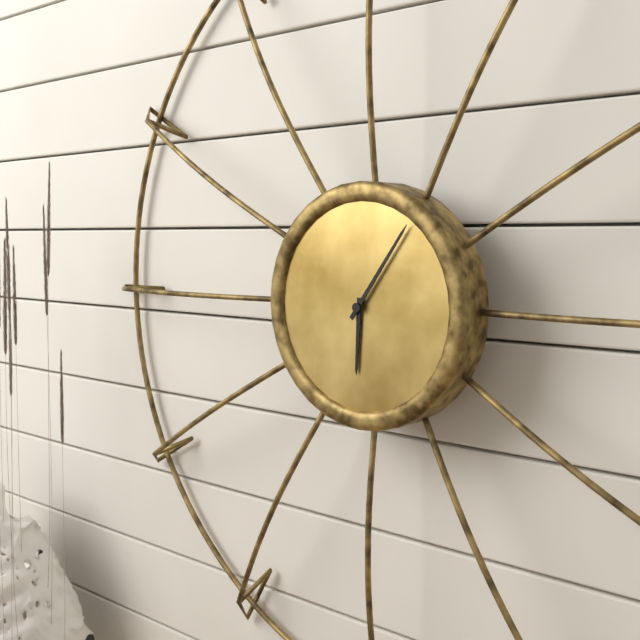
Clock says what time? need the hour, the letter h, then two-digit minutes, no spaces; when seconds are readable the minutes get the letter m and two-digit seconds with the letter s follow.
6h06
